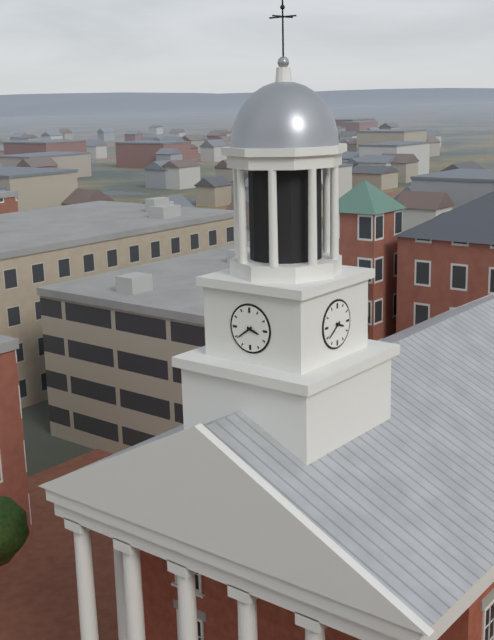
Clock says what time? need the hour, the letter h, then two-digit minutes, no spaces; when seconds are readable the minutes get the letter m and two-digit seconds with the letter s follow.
3h39
